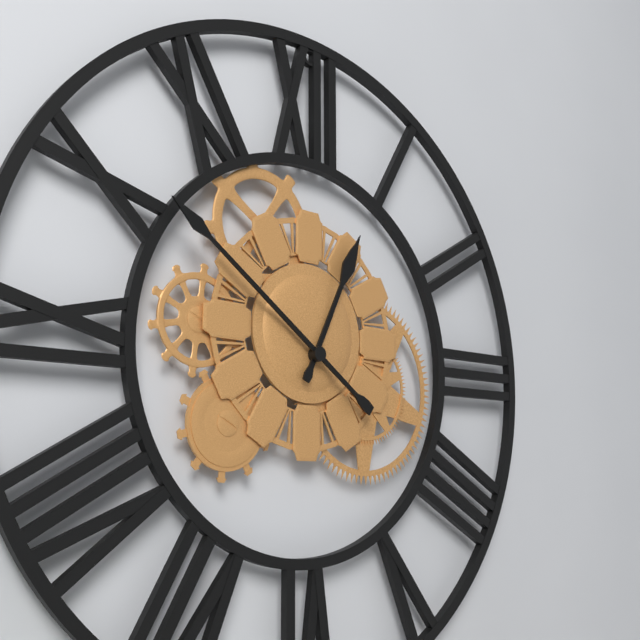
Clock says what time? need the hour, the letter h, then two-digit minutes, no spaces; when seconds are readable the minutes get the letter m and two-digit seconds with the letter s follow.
12h51
